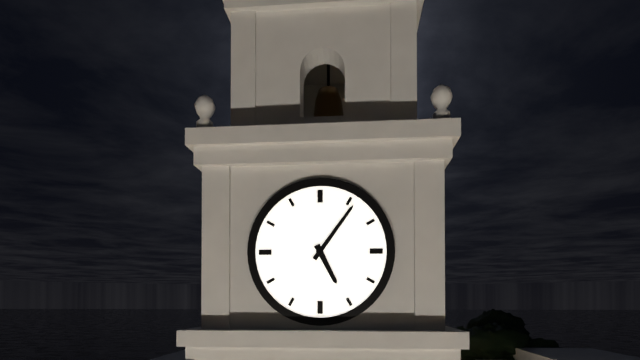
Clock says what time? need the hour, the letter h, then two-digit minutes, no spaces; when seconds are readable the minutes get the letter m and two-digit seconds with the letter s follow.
5h06
